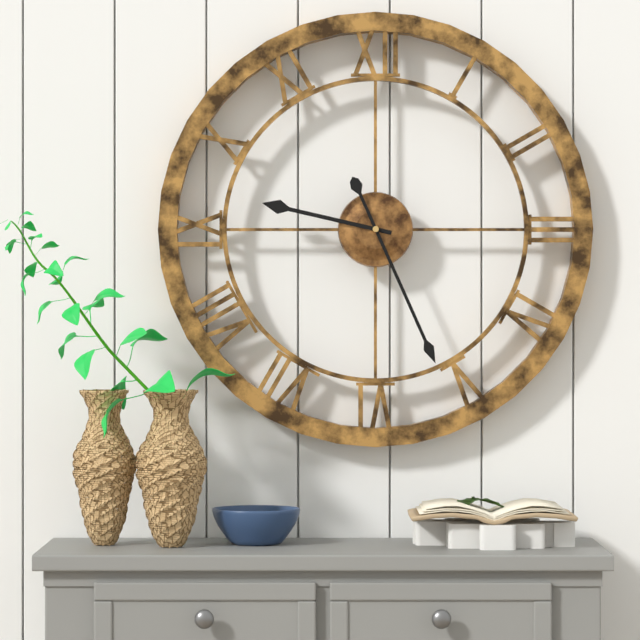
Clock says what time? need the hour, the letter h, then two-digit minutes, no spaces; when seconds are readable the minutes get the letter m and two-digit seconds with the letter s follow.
9h26
